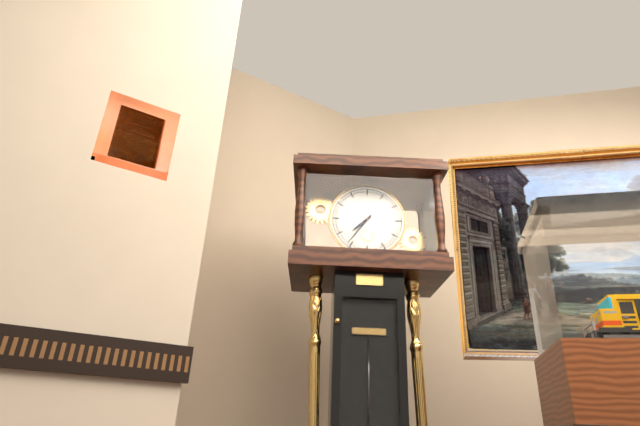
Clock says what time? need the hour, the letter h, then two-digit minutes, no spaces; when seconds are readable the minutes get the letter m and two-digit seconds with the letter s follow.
7h36
